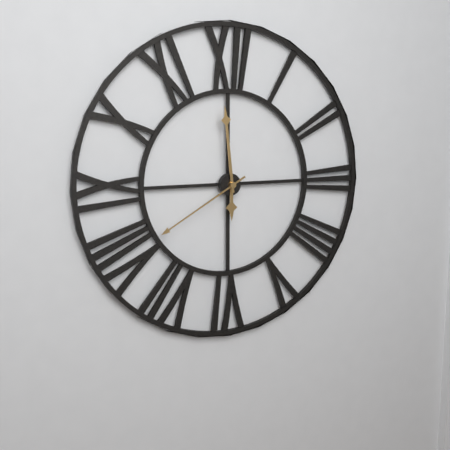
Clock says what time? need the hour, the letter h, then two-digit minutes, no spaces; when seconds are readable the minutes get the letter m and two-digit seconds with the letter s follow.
5h59m40s
